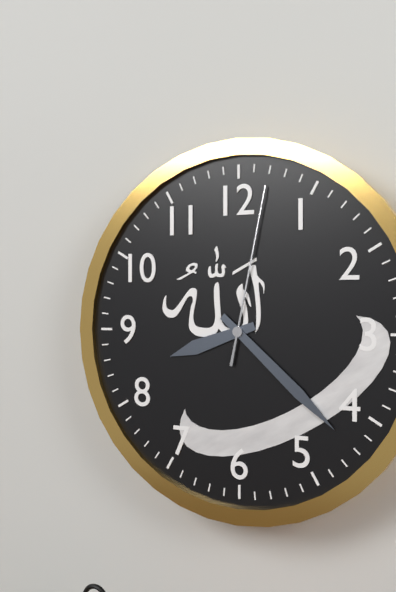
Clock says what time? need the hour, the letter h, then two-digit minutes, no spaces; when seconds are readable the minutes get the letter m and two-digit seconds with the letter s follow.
8h22m02s
